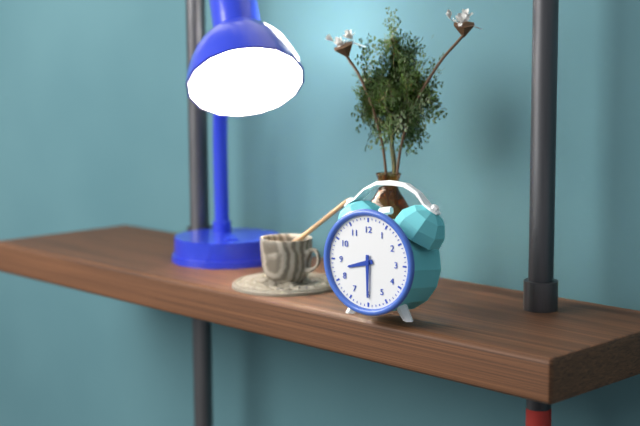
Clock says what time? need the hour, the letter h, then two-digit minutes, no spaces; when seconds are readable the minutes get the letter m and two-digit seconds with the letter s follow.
8h30
